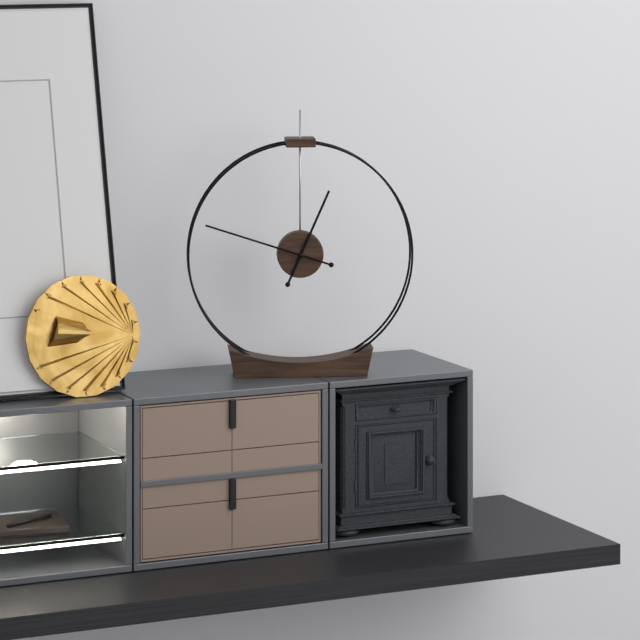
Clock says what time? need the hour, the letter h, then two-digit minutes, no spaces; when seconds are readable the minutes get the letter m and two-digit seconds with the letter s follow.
12h48
